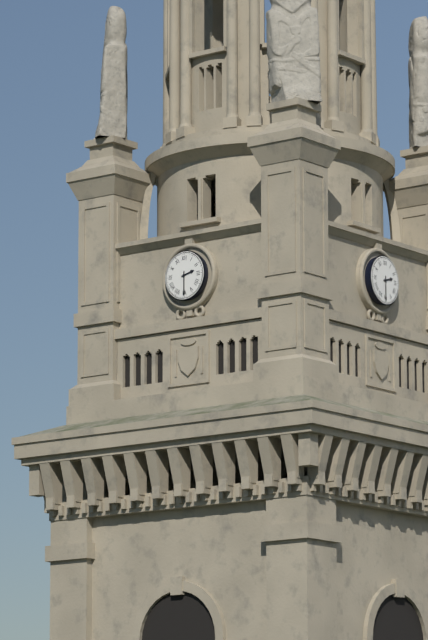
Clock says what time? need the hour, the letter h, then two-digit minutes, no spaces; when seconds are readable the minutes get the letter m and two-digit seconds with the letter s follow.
2h30
